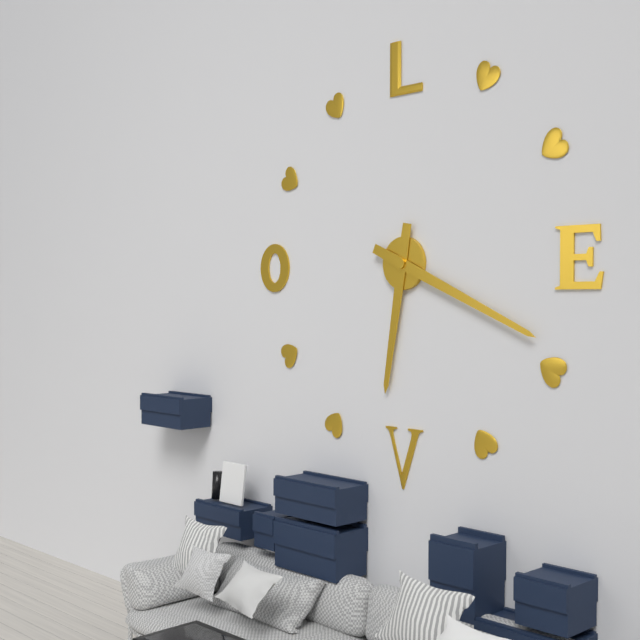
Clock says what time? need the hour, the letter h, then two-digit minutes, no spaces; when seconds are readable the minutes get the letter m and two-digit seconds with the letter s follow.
6h19
